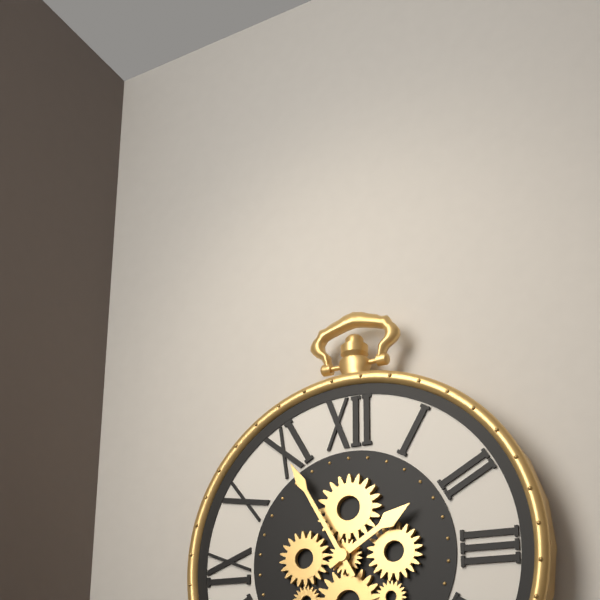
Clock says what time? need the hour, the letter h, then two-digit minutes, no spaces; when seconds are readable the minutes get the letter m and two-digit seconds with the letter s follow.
1h55
